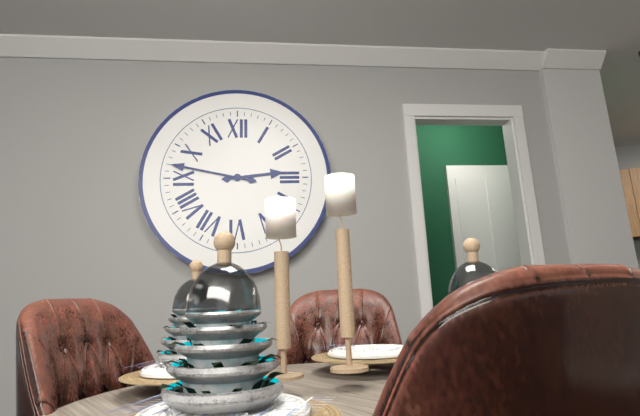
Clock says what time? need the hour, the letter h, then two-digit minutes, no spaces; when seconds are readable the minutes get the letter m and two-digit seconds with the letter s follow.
2h47
